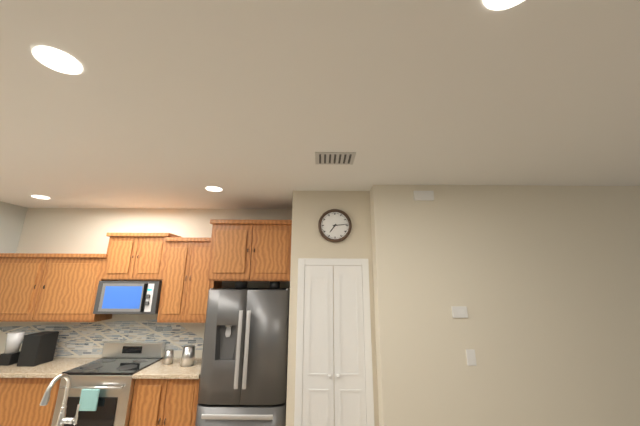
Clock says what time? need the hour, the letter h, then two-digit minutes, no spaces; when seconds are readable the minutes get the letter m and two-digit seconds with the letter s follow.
7h14
